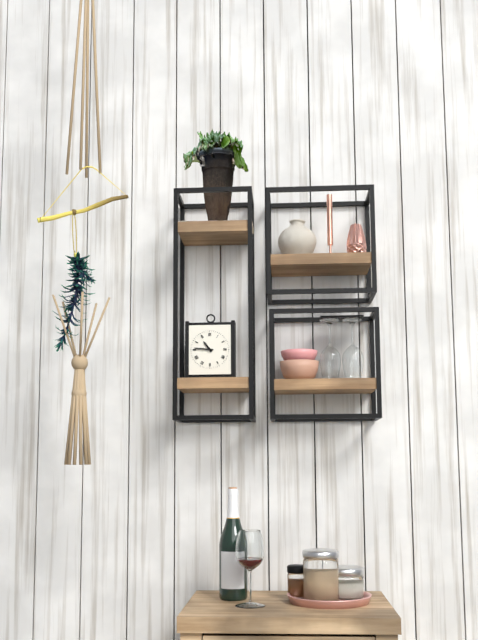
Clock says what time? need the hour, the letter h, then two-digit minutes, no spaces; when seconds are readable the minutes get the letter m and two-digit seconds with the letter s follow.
10h46
